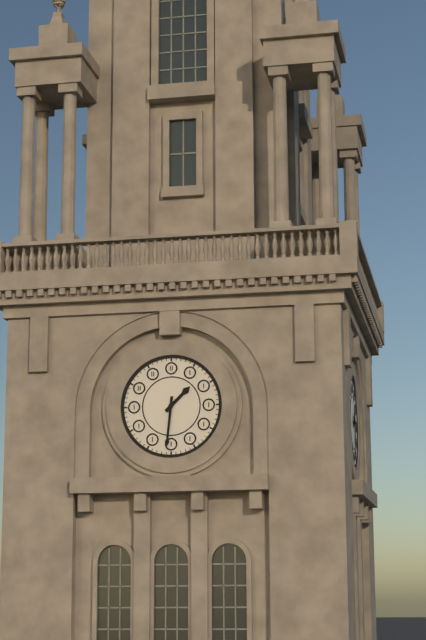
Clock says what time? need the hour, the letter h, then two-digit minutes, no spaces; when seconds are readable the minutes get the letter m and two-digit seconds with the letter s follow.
1h31
